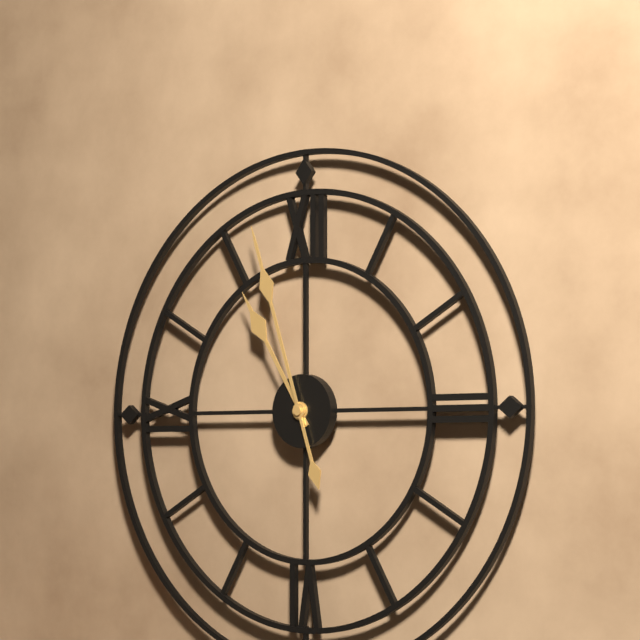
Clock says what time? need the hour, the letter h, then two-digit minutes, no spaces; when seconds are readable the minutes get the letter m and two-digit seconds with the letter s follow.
10h57
